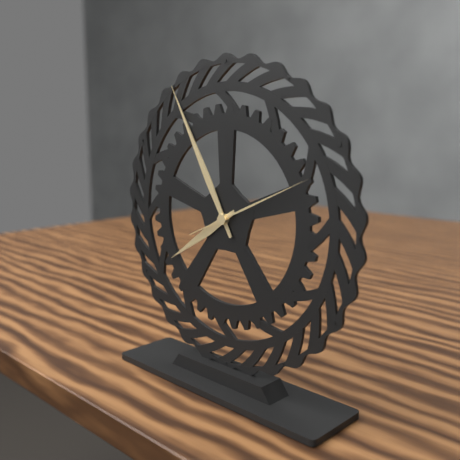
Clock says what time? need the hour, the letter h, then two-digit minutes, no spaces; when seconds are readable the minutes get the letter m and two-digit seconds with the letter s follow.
7h55m11s
